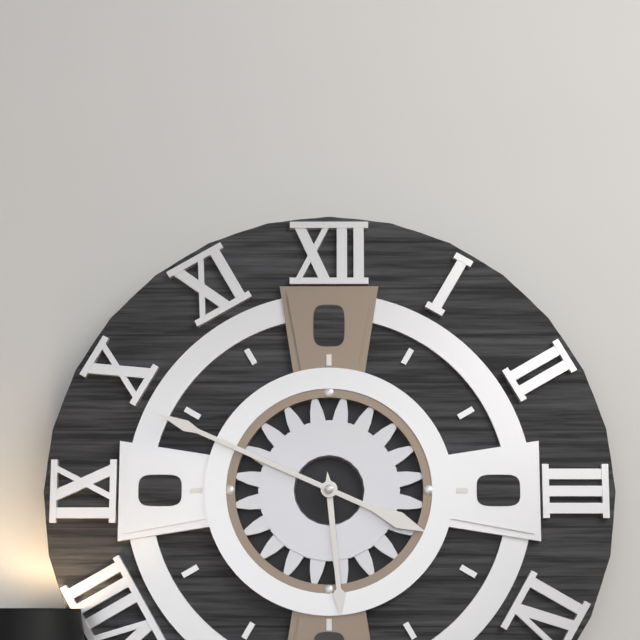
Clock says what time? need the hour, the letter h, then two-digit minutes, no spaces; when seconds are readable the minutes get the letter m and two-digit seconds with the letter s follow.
5h49
